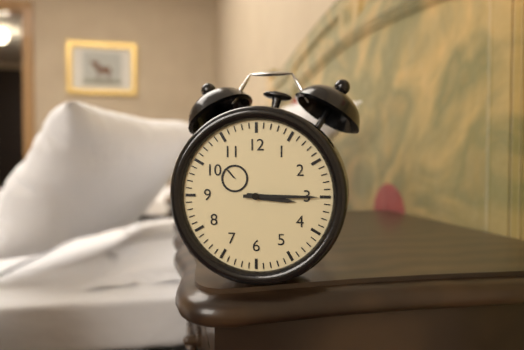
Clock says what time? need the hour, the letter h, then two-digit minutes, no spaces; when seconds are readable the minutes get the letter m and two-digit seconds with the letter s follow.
3h15
